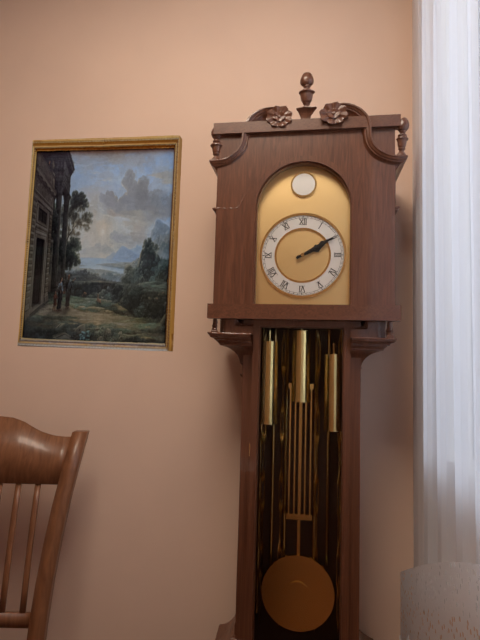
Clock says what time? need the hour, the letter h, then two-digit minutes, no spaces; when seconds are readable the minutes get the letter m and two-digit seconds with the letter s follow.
2h10
